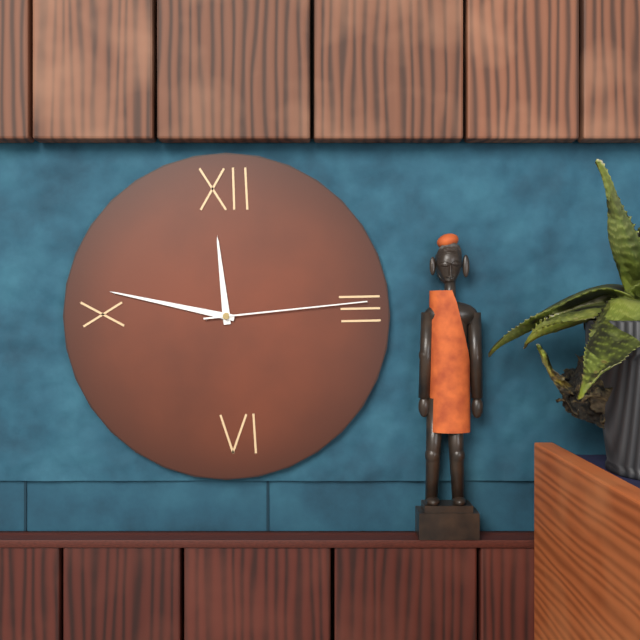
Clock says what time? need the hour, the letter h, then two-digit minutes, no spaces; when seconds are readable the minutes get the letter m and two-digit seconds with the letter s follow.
11h47m14s
